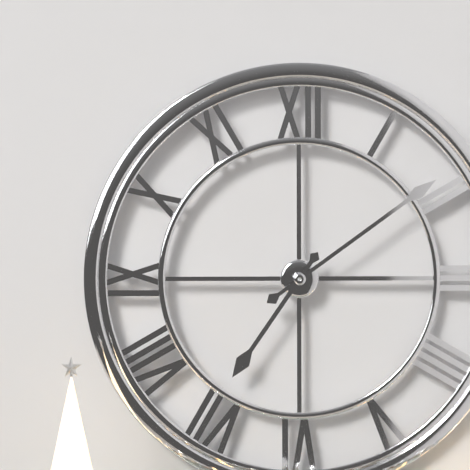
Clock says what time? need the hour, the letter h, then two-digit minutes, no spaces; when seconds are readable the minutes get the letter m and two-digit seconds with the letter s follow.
7h09
